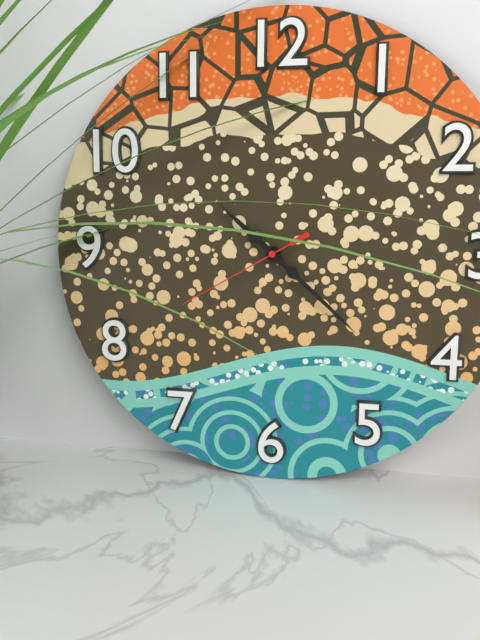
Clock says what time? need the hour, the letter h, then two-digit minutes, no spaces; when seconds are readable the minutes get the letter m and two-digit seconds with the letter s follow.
10h22m40s
